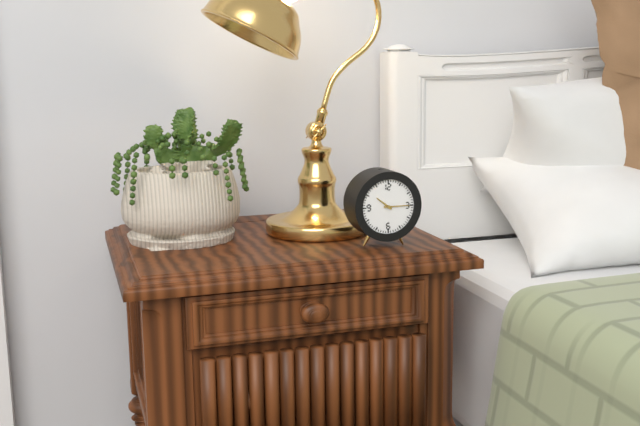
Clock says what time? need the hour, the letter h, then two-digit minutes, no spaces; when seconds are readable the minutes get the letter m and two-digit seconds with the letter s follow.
10h15
